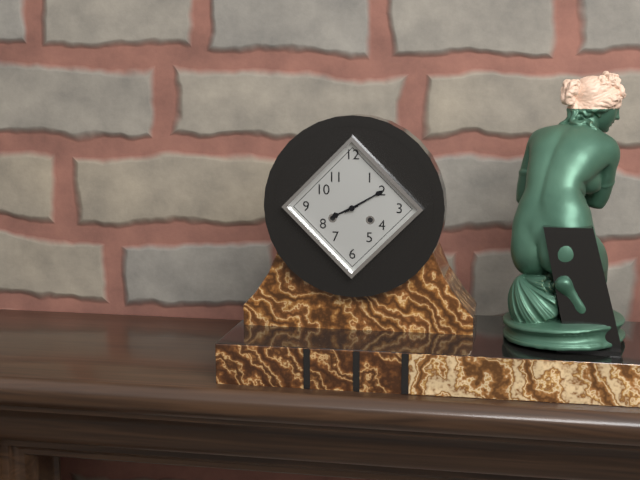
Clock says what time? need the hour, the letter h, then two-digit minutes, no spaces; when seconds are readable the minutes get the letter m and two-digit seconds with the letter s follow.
8h10
